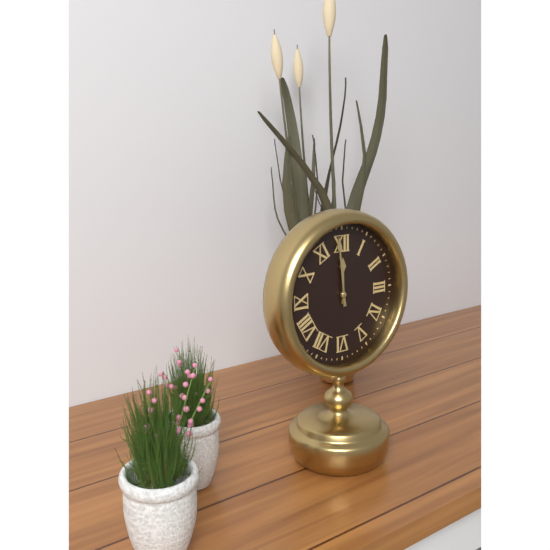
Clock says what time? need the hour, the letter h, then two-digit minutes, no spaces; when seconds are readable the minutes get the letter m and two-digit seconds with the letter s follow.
11h59
